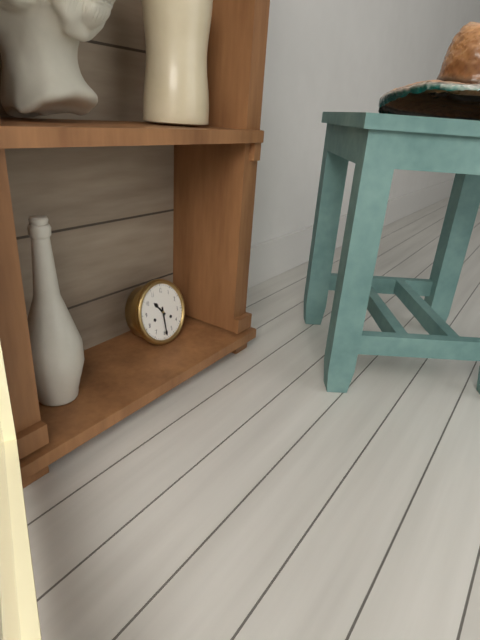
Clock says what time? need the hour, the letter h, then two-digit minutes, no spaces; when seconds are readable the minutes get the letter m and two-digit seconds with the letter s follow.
10h29
